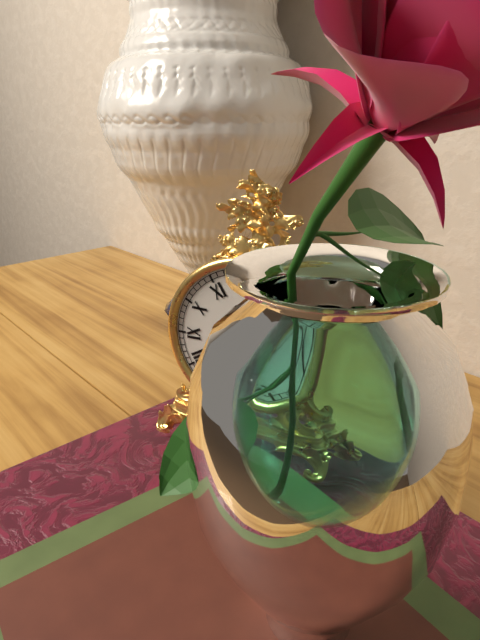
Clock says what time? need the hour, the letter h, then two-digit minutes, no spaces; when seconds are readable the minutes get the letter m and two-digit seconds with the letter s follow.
5h39
